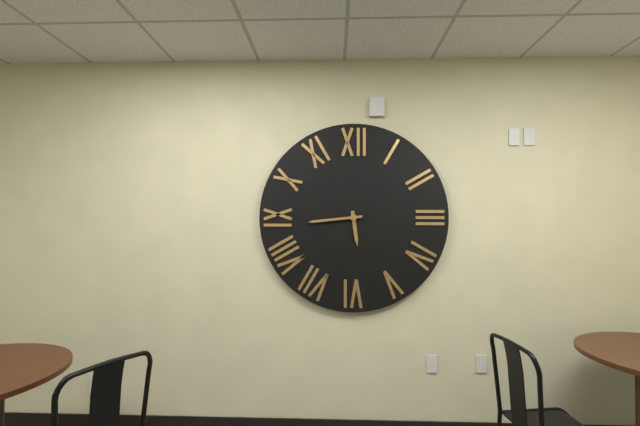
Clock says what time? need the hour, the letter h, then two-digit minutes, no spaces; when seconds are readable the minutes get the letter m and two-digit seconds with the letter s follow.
5h44
